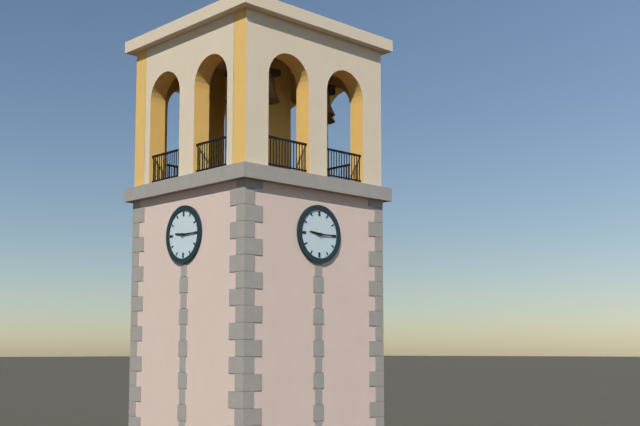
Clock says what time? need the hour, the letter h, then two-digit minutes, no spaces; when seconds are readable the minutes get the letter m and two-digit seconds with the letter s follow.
9h15
